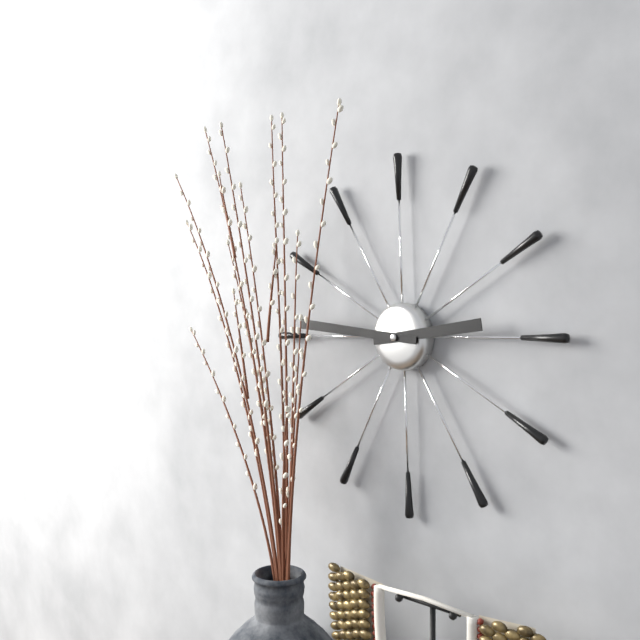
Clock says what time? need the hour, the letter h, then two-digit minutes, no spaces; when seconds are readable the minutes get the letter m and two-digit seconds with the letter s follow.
2h46
